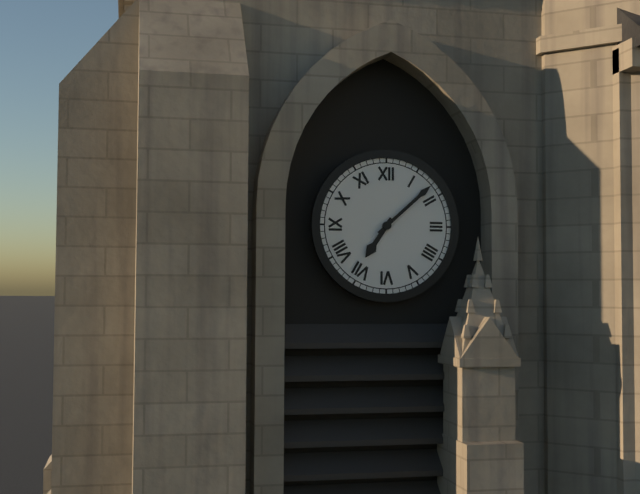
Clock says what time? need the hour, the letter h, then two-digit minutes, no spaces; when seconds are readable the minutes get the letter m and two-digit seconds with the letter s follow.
7h08
